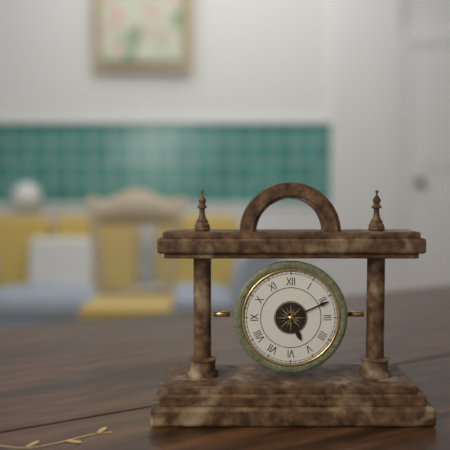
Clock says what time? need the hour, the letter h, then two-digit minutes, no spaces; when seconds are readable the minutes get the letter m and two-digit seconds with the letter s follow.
5h11
